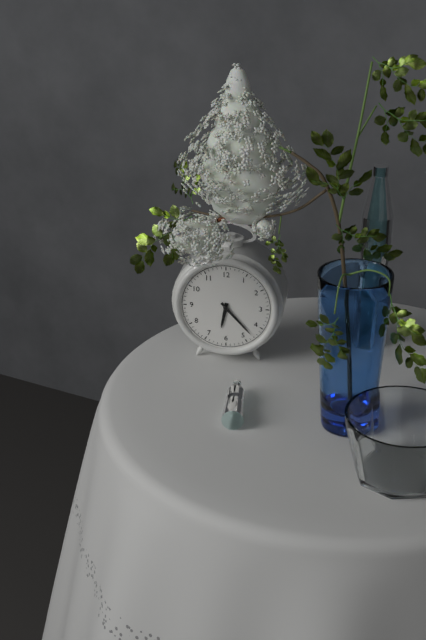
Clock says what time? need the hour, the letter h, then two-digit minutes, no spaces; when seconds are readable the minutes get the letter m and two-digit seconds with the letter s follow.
6h23
